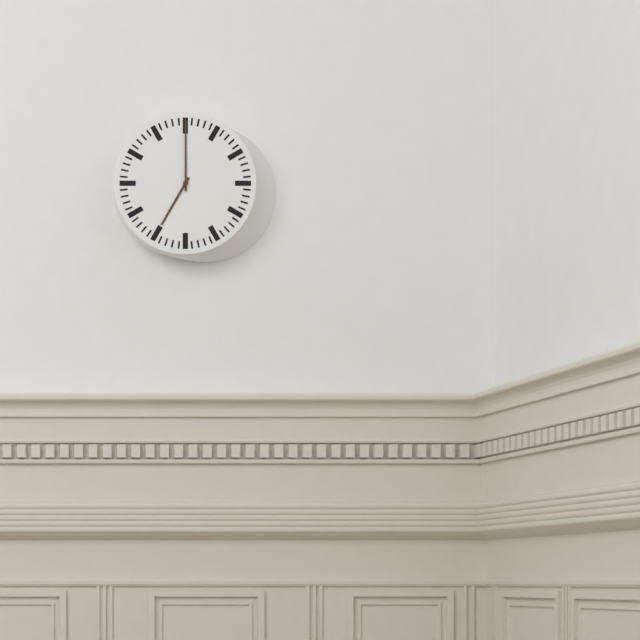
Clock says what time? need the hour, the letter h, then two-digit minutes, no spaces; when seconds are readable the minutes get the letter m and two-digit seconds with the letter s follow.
7h00
